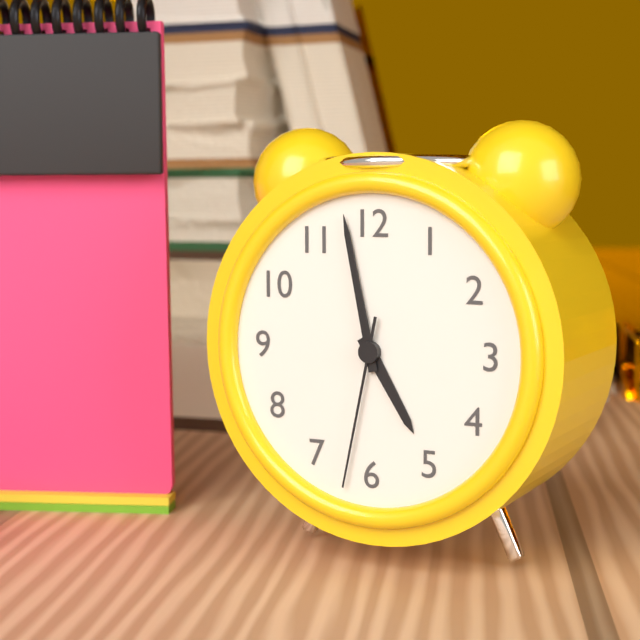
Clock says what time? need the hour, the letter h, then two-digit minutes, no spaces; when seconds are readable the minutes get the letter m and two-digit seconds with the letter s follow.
4h58m32s
